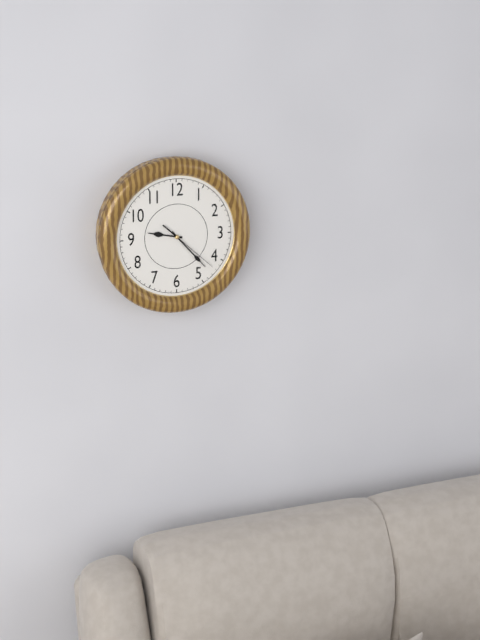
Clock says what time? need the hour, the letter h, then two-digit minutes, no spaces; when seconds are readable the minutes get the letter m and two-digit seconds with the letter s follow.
9h23m22s
